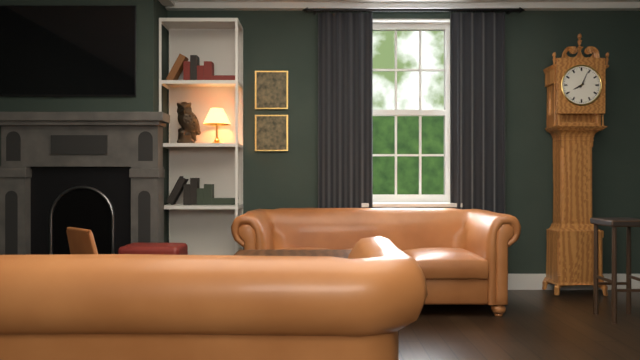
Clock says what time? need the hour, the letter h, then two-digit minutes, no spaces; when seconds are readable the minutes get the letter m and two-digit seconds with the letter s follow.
8h04
